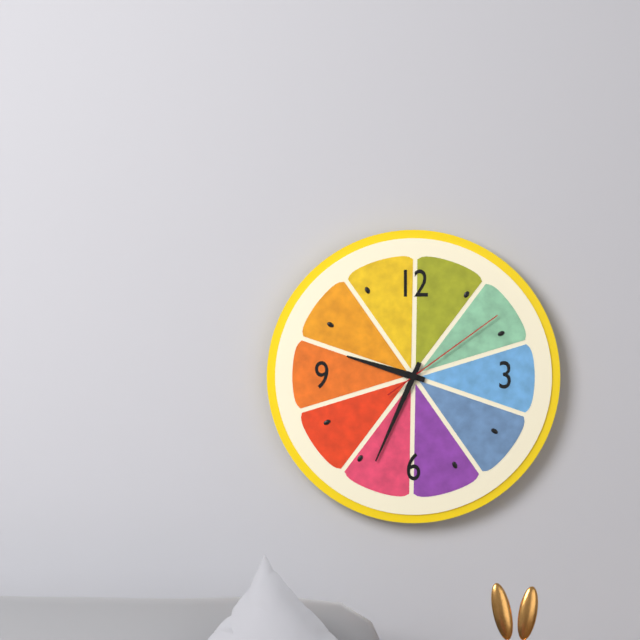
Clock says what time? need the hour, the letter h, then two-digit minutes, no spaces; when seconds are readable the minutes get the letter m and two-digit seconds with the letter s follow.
9h34m09s
